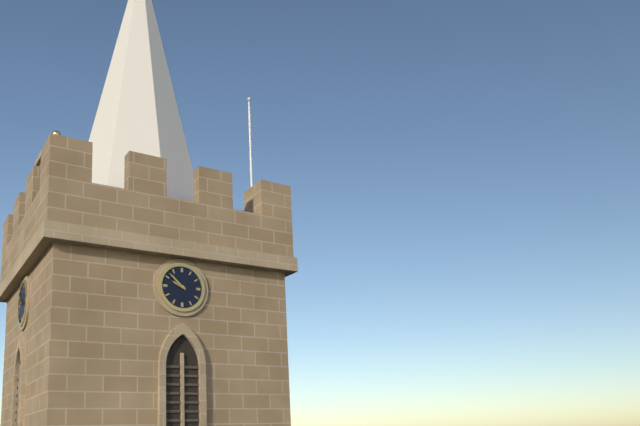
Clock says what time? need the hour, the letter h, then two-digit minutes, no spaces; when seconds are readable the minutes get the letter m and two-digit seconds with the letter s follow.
9h52
